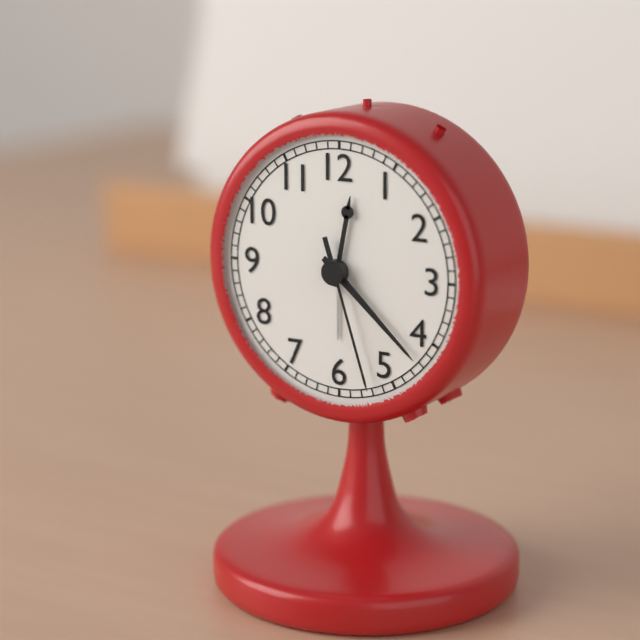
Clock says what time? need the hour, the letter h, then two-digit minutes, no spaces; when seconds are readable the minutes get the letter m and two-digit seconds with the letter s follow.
12h22m27s
